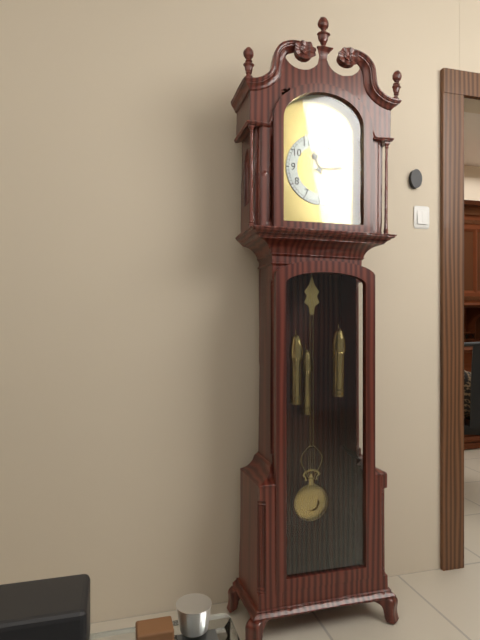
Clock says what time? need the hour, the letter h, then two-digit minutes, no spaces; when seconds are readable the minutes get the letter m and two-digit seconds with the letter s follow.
11h14
